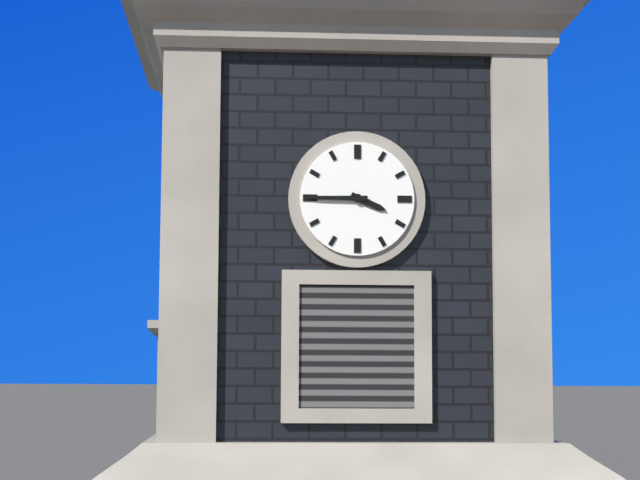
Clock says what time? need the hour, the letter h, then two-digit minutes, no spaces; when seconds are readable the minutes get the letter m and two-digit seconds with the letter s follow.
3h45
